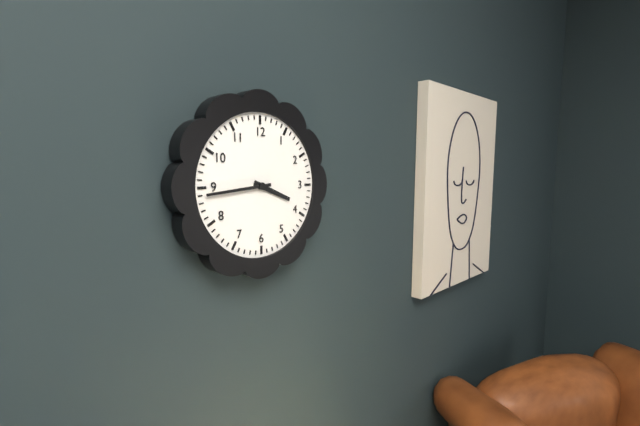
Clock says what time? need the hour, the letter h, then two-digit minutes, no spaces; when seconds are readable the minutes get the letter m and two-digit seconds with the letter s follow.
3h44
